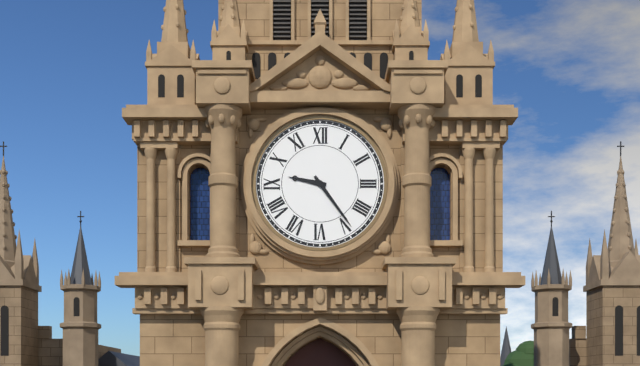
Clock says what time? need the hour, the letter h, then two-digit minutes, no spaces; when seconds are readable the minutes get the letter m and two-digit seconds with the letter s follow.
9h24
